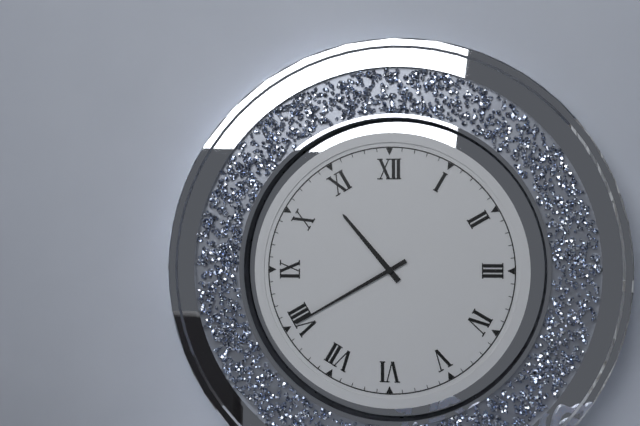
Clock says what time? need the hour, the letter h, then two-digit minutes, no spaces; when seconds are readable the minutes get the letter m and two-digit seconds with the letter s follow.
10h40
